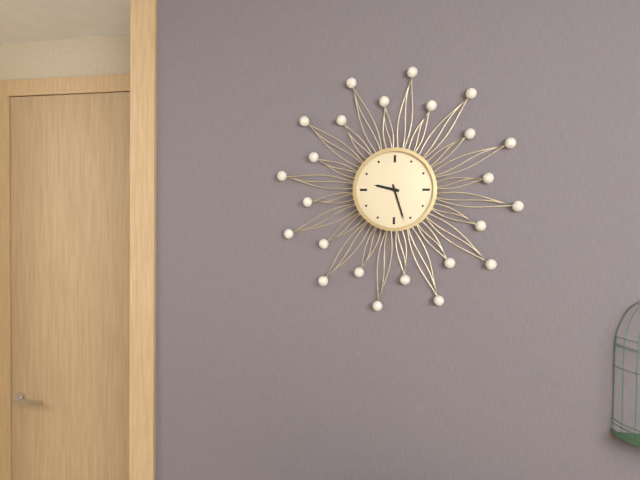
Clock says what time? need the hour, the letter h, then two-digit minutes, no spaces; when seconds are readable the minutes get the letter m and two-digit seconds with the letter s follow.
9h27
